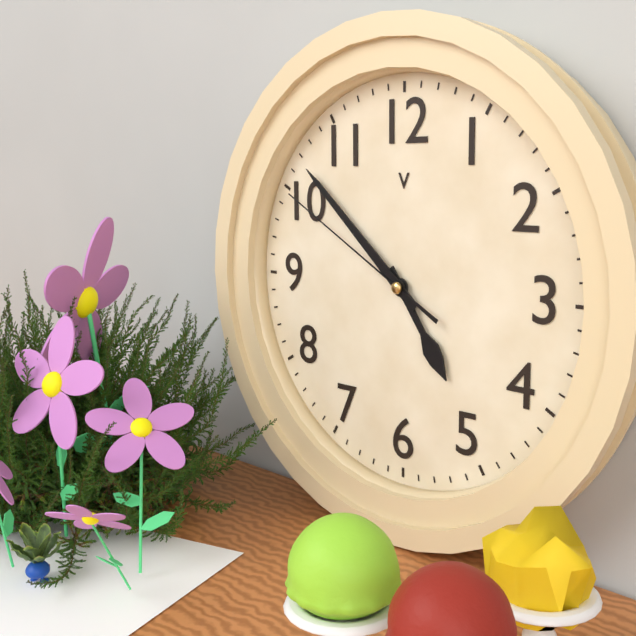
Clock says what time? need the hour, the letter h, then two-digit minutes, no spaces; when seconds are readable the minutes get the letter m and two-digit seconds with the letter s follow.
4h52m50s
